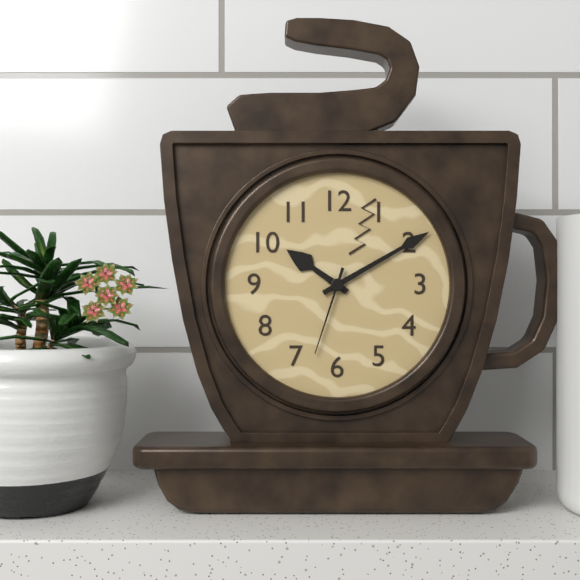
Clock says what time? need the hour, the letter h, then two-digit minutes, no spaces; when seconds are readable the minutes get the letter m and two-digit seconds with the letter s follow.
10h10m33s
